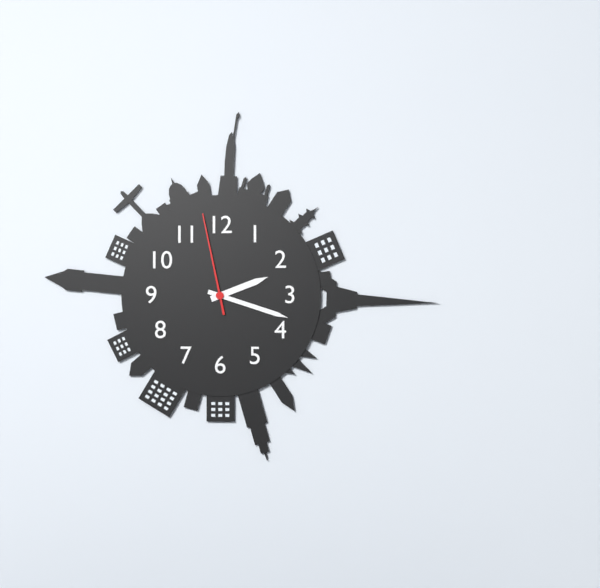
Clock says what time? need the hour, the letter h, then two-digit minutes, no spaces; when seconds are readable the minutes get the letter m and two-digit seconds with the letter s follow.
2h18m58s
